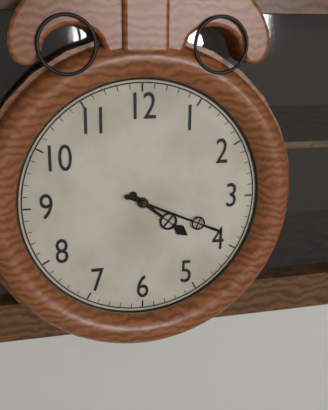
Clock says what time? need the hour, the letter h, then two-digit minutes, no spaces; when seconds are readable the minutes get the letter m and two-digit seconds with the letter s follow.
4h19
